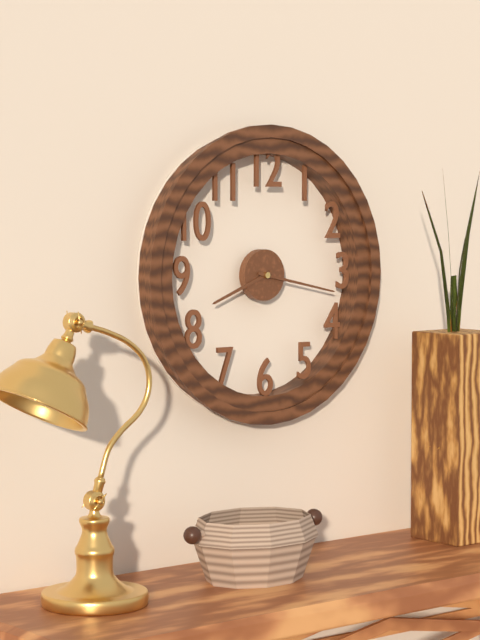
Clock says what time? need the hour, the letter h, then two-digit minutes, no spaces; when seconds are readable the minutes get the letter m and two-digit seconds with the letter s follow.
8h17
